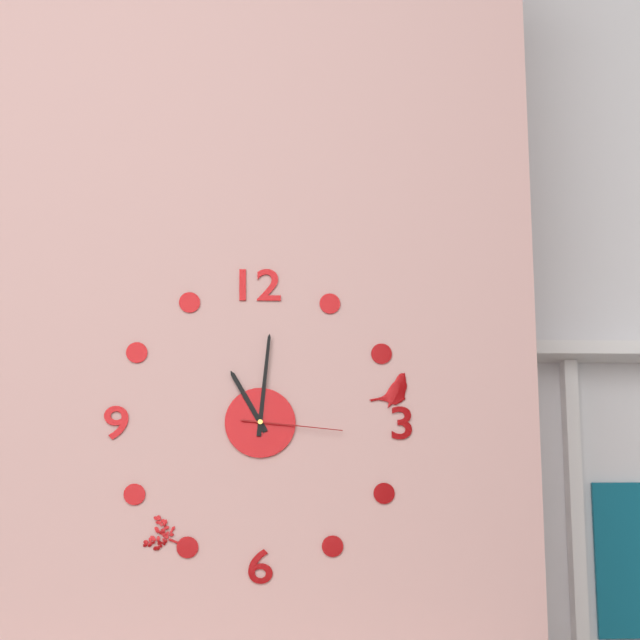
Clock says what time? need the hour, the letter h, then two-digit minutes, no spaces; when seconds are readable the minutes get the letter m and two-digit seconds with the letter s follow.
11h01m16s
